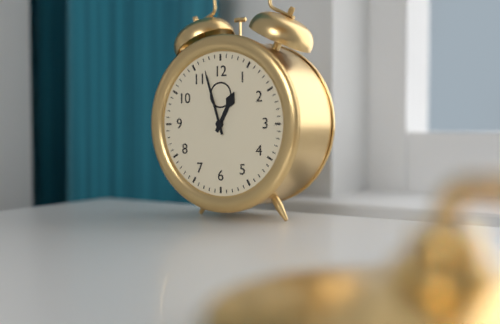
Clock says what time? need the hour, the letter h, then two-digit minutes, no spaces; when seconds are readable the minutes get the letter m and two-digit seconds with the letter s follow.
12h57
